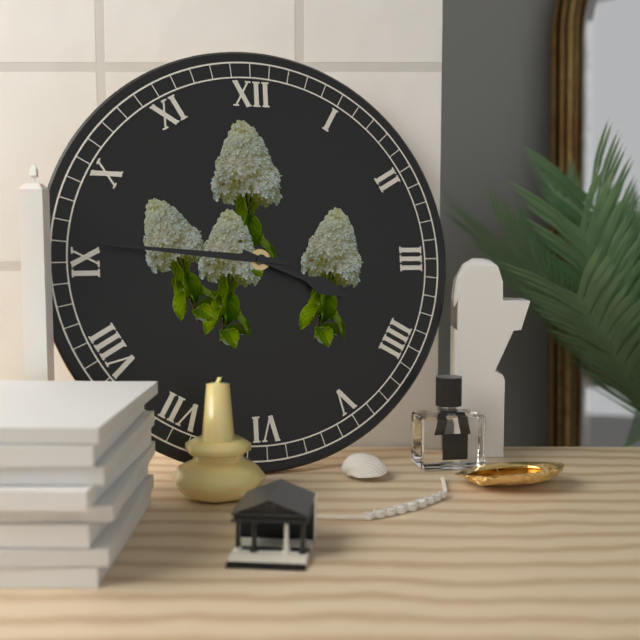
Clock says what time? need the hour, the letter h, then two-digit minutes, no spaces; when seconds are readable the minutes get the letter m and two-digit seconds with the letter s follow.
3h46
